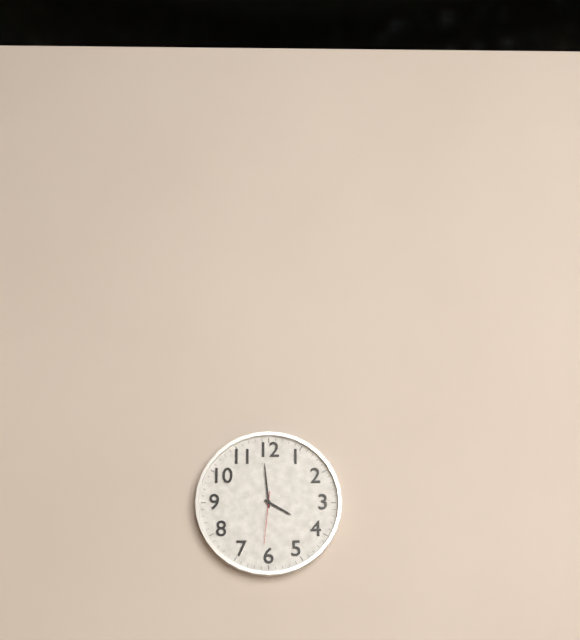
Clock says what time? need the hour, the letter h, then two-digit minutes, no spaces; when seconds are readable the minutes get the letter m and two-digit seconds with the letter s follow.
3h59m31s
